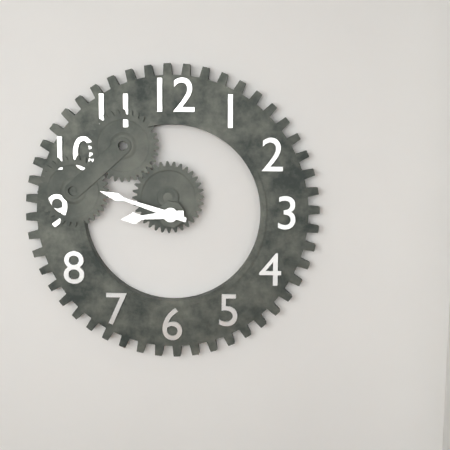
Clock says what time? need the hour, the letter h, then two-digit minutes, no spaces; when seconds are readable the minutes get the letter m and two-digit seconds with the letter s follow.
8h48
